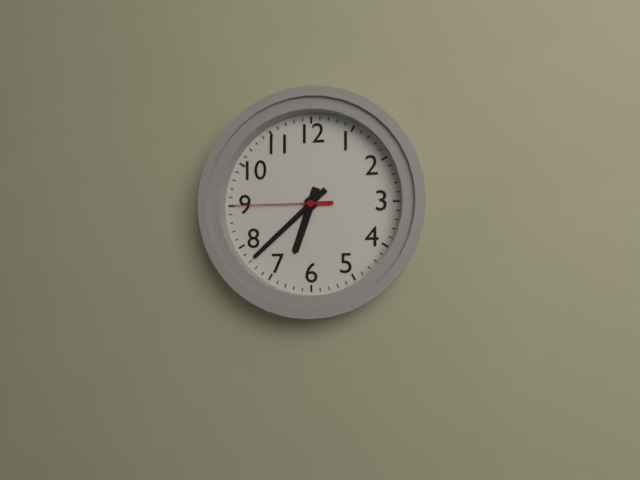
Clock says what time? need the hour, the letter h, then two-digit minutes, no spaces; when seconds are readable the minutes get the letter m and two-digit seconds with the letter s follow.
6h38m45s
